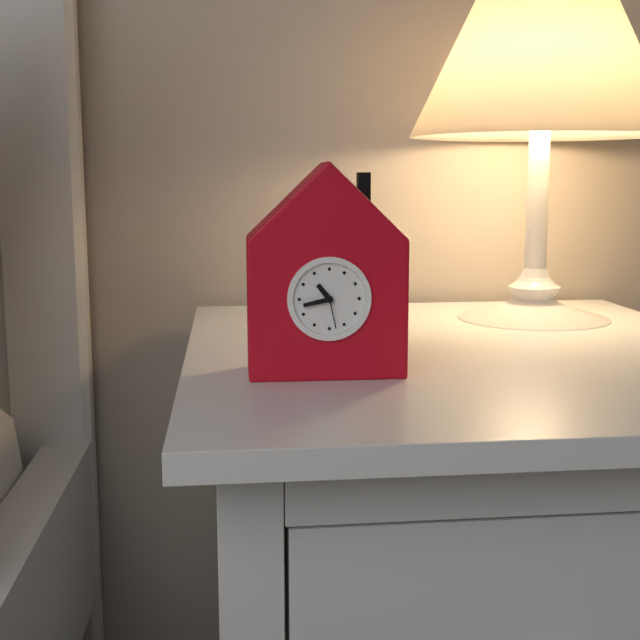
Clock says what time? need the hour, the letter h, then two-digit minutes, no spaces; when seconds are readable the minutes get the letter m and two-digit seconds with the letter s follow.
10h43
